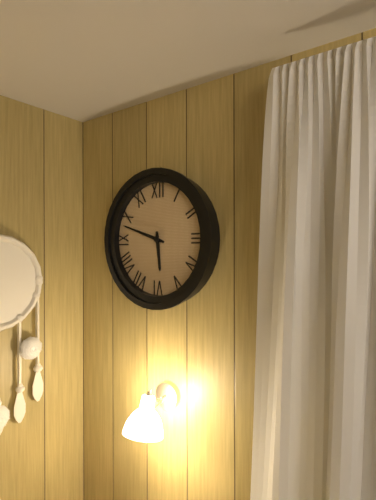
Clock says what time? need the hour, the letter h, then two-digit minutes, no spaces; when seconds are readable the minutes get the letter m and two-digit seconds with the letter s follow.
5h48
